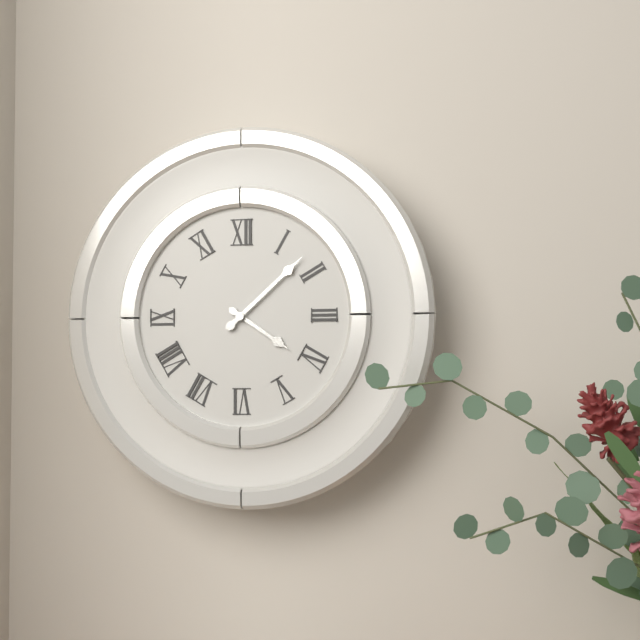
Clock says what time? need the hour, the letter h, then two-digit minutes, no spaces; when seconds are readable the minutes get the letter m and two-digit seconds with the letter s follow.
4h08
